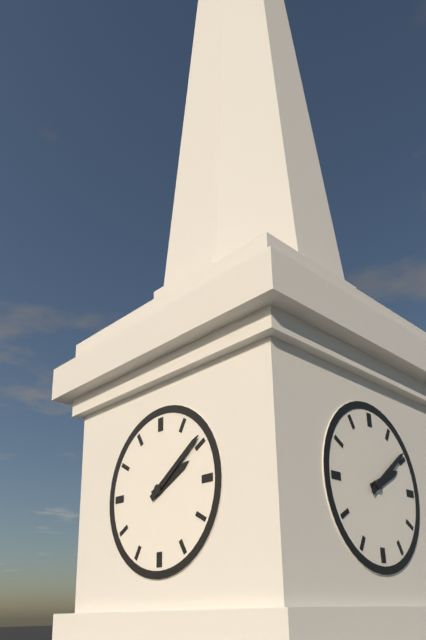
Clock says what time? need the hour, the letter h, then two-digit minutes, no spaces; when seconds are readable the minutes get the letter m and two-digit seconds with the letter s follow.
2h09
